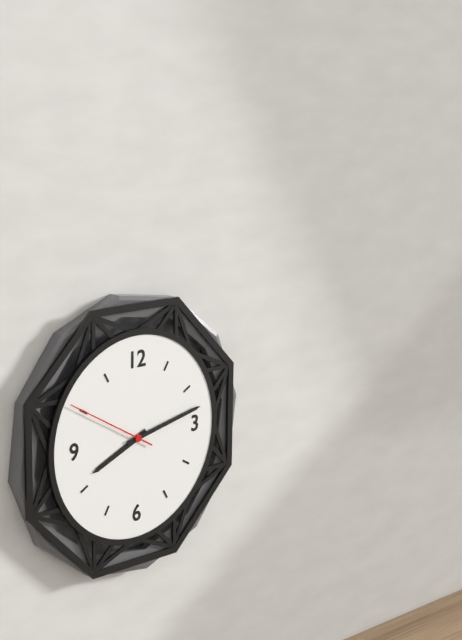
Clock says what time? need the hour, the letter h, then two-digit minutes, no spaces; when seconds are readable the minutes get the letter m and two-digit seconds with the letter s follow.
8h13m50s
